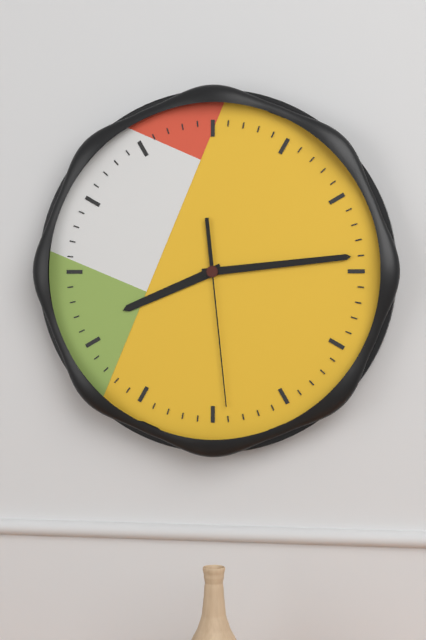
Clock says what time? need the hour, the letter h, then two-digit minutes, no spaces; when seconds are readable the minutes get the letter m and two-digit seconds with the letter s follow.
8h14m29s
